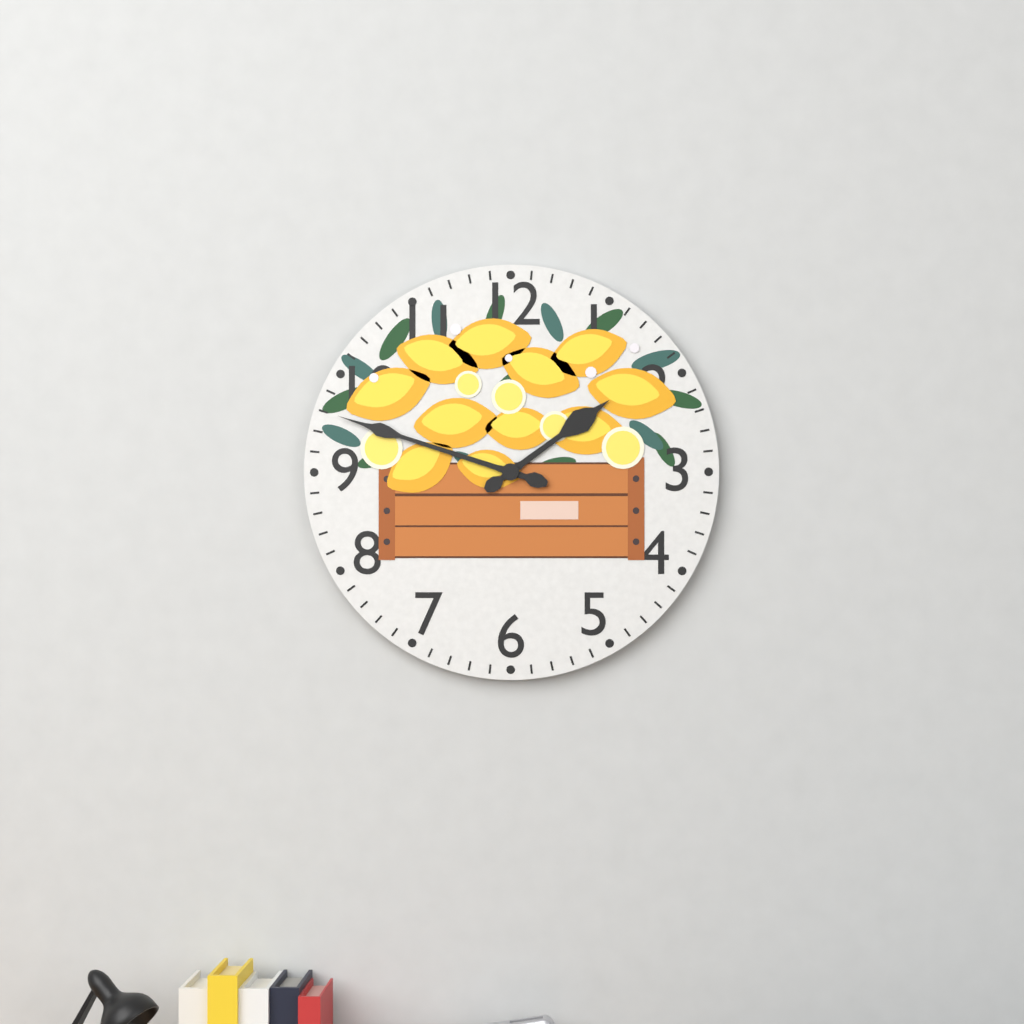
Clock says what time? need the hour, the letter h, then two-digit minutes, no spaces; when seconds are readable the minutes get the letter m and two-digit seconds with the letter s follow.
1h48
